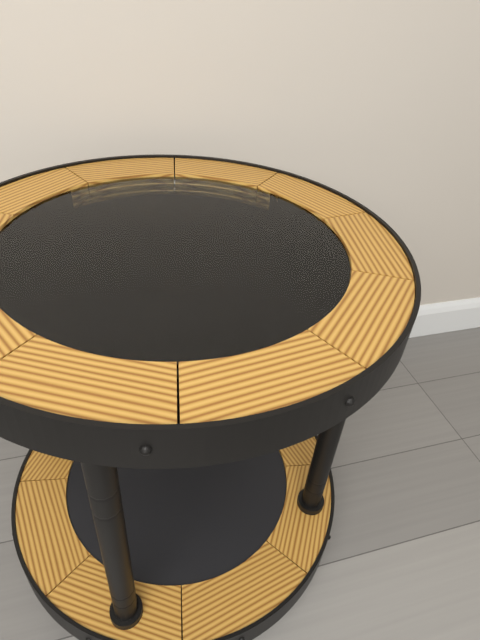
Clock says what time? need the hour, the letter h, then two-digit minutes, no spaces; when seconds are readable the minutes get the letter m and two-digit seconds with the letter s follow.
9h38
